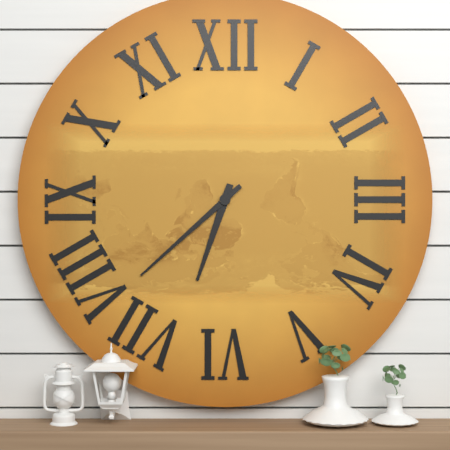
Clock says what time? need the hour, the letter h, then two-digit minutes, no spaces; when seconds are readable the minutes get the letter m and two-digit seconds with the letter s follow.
6h38
